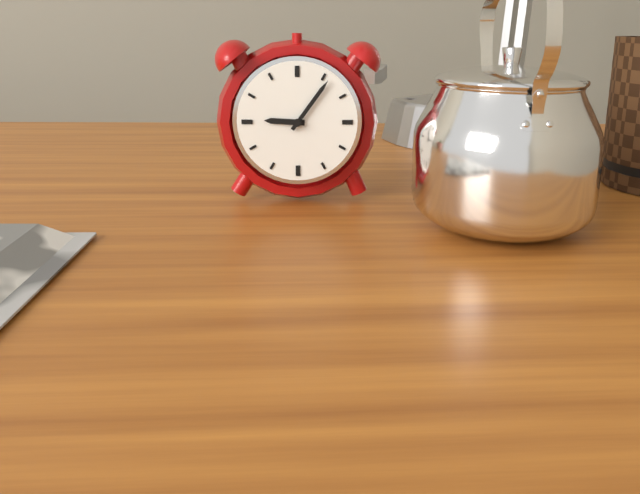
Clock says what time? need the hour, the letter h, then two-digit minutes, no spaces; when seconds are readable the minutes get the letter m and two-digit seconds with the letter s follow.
9h06
